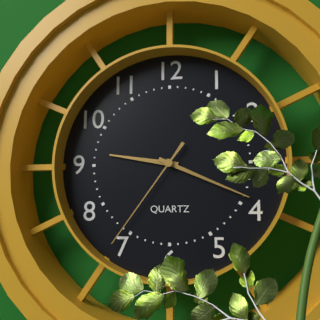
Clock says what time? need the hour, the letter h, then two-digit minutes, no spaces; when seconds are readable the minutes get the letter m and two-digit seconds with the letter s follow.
9h19m36s
